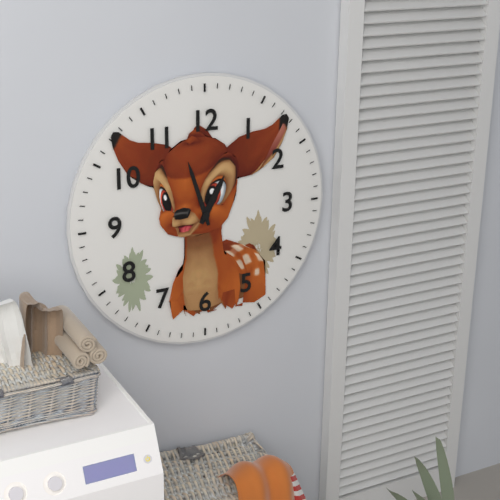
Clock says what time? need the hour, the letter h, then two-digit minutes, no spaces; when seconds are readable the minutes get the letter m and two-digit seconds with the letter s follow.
12h57
